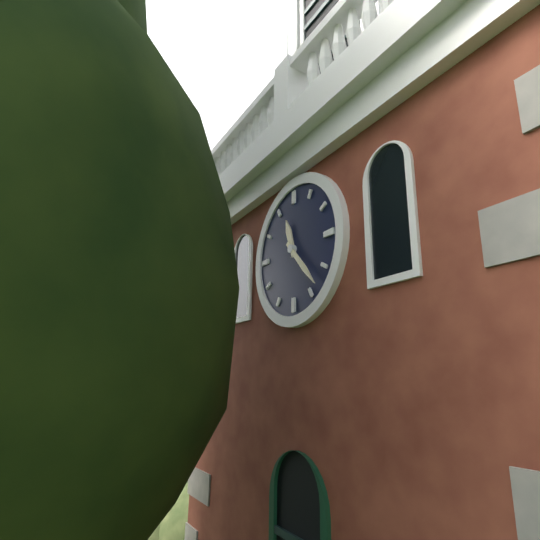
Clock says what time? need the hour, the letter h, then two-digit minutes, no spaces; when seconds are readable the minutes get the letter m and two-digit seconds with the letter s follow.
11h23
